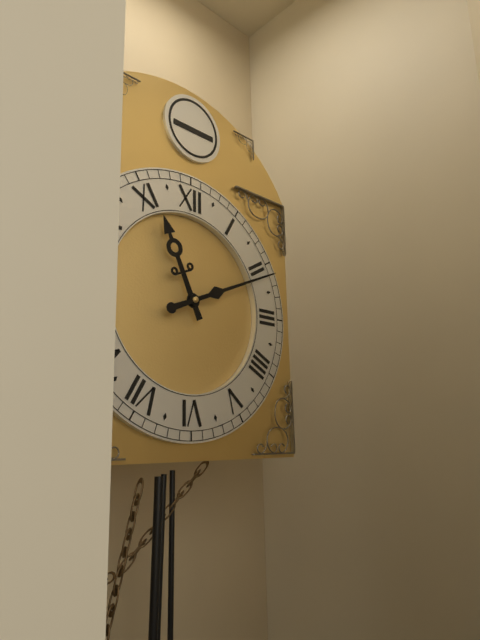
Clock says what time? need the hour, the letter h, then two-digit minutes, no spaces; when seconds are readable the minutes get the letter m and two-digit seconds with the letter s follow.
11h11
